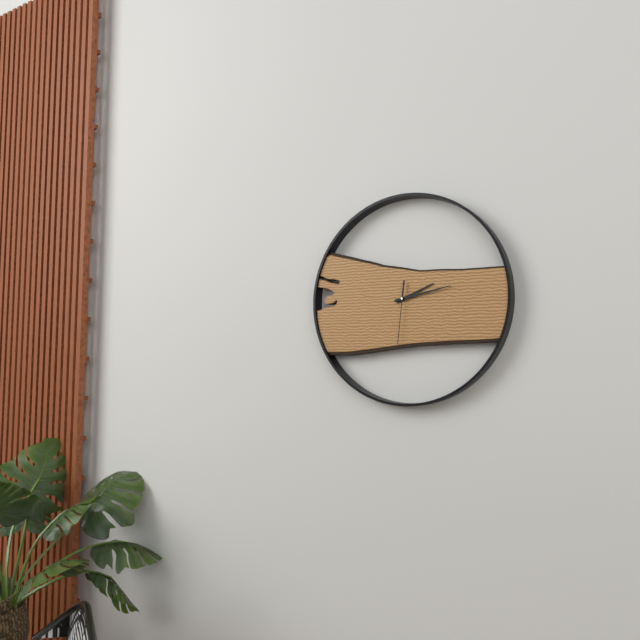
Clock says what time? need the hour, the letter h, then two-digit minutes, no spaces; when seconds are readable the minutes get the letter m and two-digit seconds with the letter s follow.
2h13m31s
